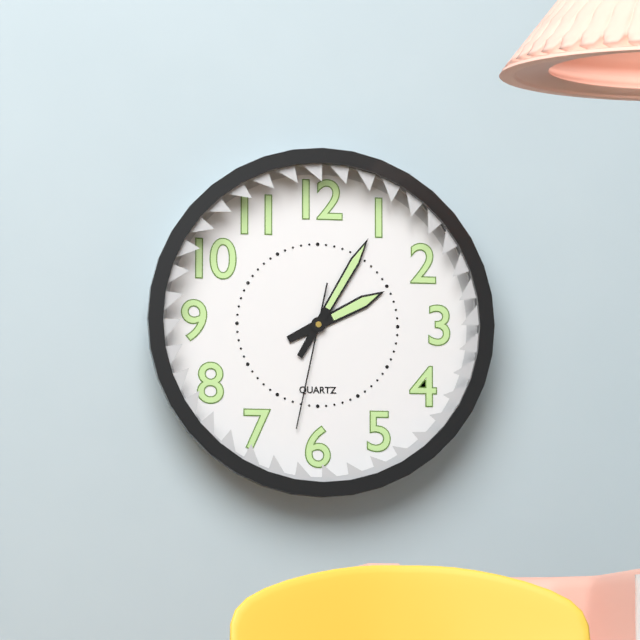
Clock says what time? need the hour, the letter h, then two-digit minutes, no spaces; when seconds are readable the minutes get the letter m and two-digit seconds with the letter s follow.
2h05m32s
